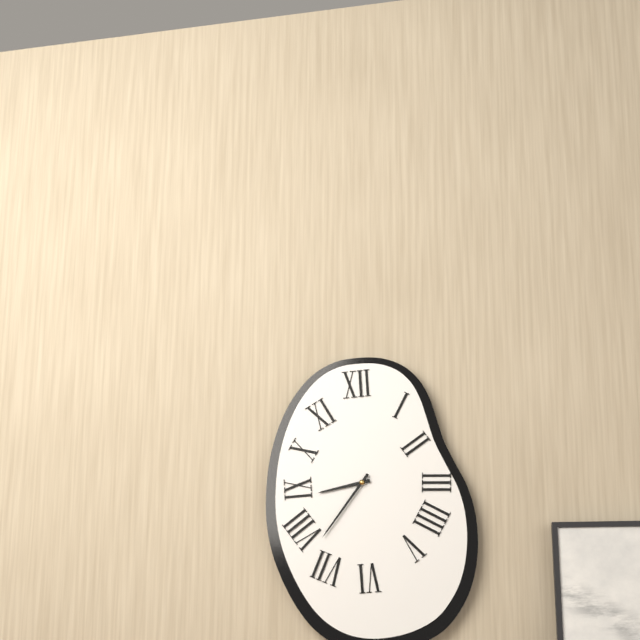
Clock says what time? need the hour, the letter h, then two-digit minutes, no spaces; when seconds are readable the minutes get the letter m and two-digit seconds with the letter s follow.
8h36
